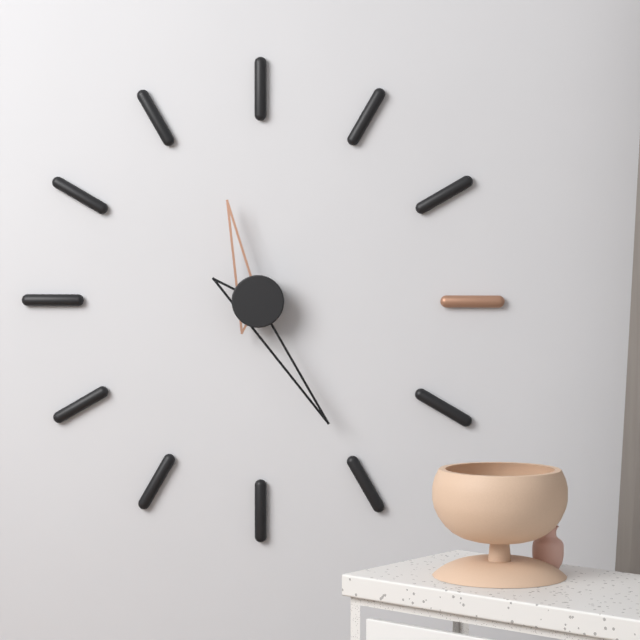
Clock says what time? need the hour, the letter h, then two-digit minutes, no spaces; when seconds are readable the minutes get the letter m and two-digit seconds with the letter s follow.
11h25
